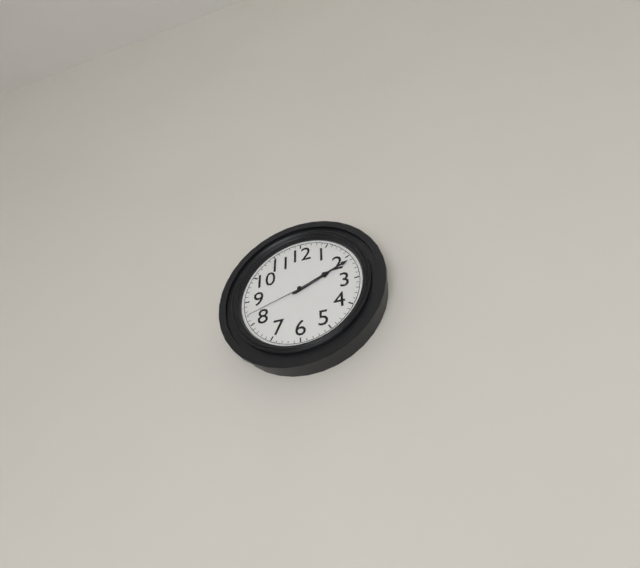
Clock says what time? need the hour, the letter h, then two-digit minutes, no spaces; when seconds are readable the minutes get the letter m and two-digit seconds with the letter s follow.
2h11m42s
